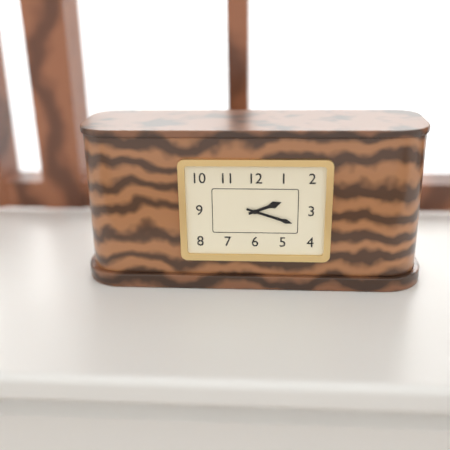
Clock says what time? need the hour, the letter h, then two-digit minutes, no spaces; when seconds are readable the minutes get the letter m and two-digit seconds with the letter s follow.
2h18
